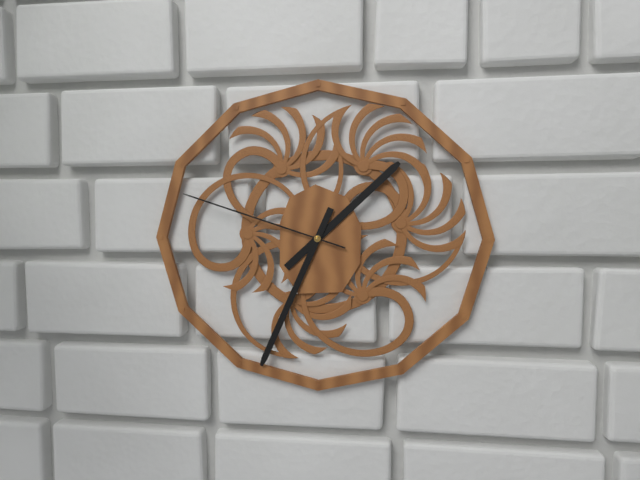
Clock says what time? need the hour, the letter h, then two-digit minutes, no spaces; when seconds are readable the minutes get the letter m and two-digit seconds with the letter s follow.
1h34m48s
